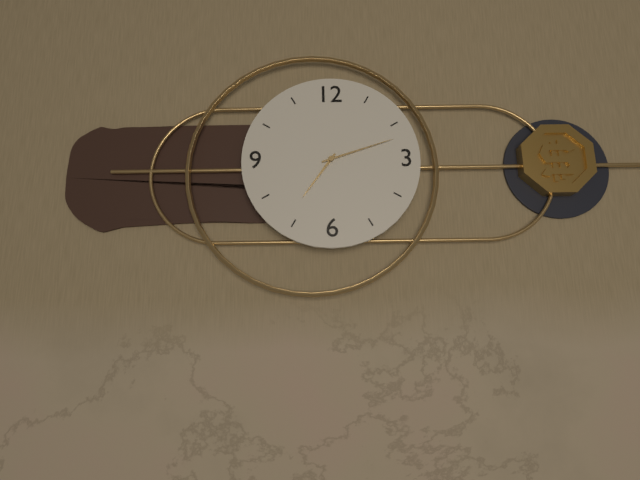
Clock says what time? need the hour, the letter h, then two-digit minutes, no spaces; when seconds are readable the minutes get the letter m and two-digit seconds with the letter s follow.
7h12
